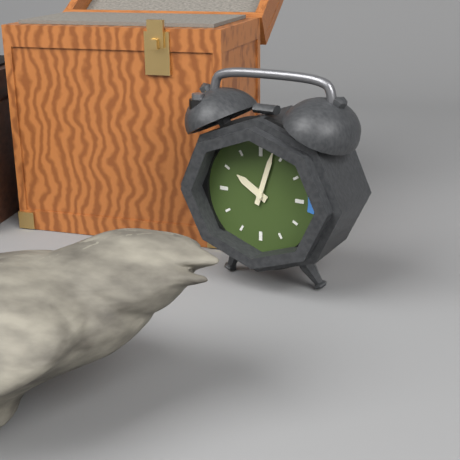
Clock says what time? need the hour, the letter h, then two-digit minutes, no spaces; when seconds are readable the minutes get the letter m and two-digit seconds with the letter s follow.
10h03
